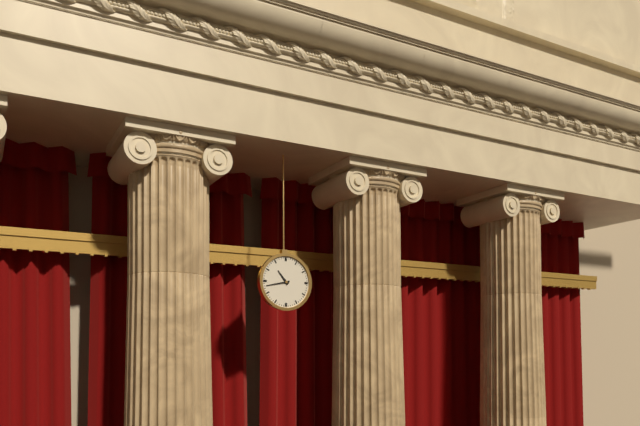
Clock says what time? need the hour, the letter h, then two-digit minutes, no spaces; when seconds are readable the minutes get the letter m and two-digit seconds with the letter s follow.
10h43
